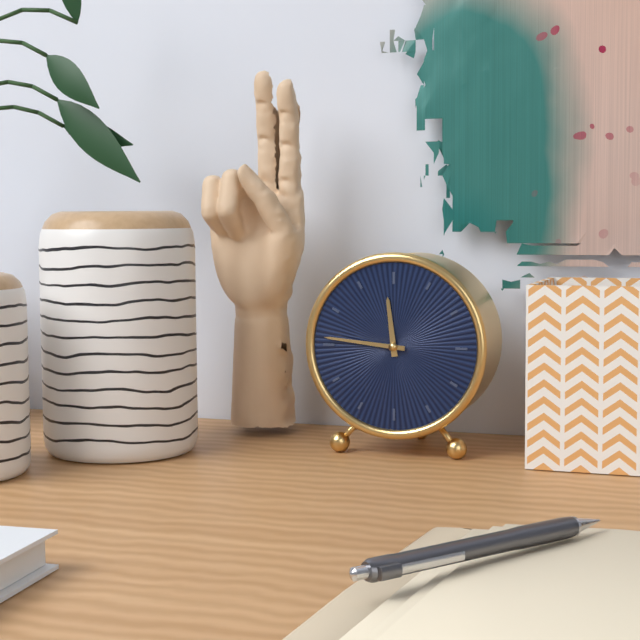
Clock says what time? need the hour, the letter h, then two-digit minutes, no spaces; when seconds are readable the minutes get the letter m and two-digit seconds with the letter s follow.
11h46
